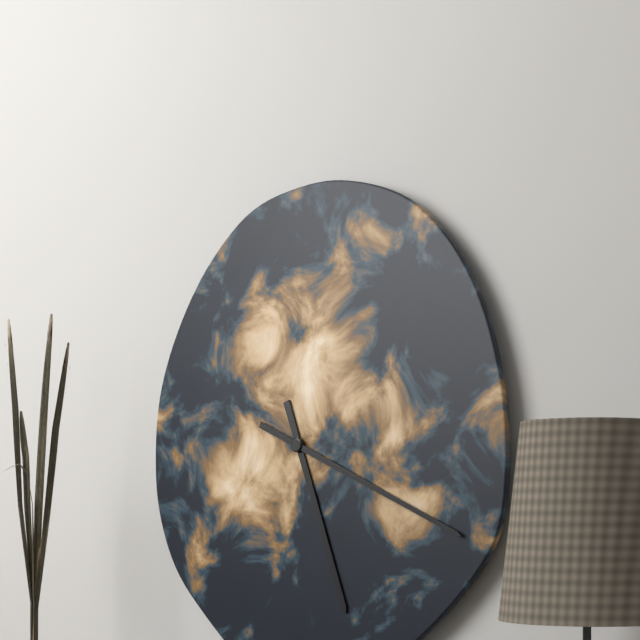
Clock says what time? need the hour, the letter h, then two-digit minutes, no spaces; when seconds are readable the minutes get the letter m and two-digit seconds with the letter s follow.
5h19
